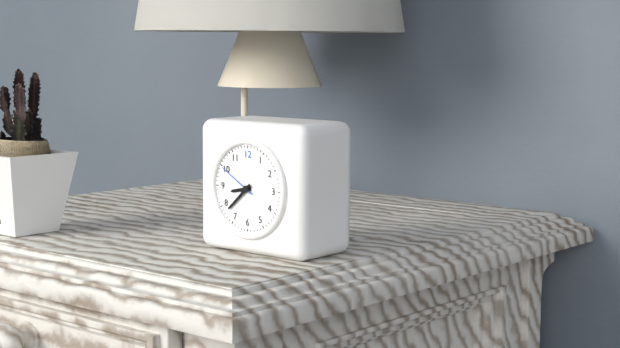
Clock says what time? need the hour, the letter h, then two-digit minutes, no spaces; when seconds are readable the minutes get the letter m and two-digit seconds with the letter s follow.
8h38
